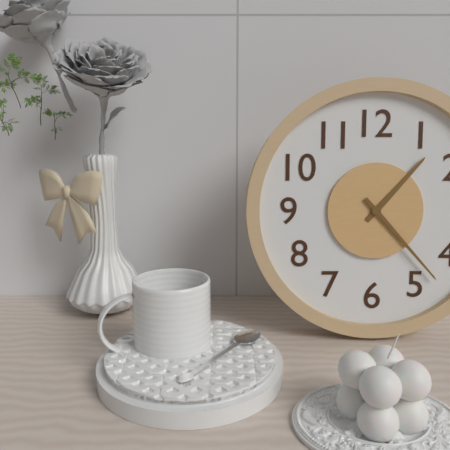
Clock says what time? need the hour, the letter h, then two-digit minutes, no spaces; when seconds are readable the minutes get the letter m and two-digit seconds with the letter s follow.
1h23
